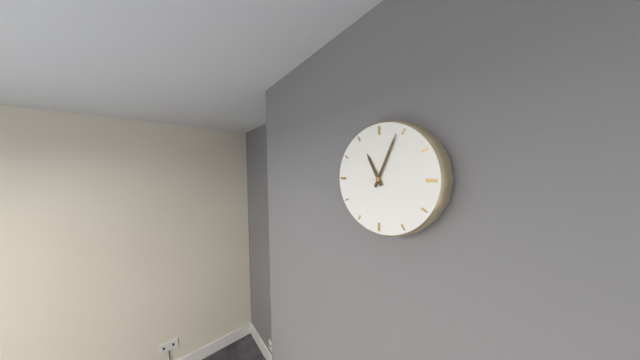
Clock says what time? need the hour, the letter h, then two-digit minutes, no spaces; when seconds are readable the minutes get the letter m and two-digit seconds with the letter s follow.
11h04
